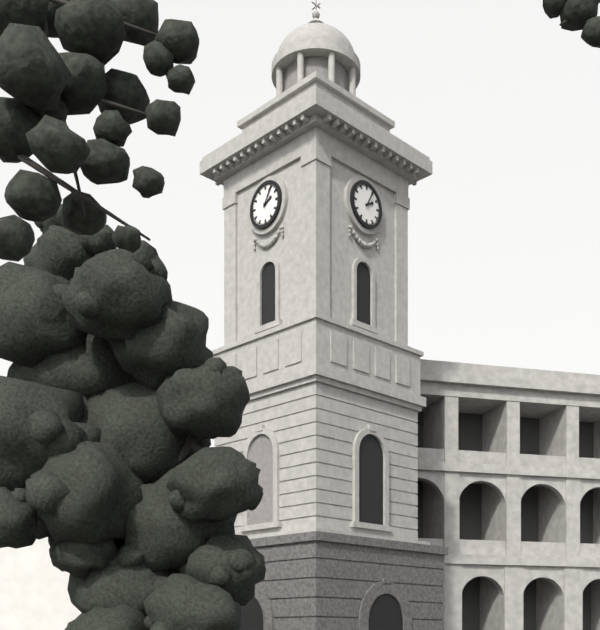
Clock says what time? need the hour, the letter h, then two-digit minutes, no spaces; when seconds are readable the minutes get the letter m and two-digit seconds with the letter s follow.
2h05
